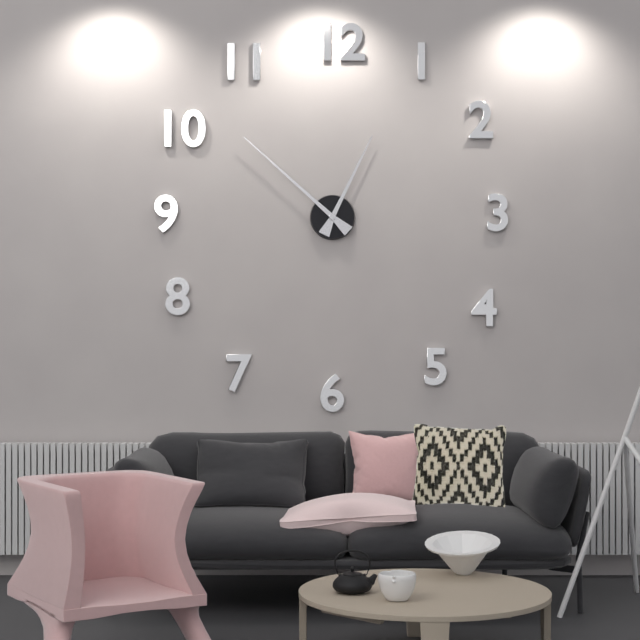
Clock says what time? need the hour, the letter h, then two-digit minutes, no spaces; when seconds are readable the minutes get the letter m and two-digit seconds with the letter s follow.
12h52
